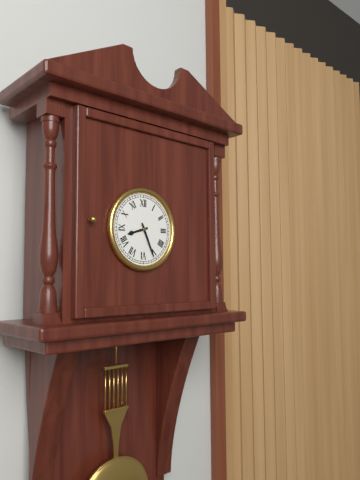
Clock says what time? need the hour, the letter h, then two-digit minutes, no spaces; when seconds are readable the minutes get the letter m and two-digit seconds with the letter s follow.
8h26
